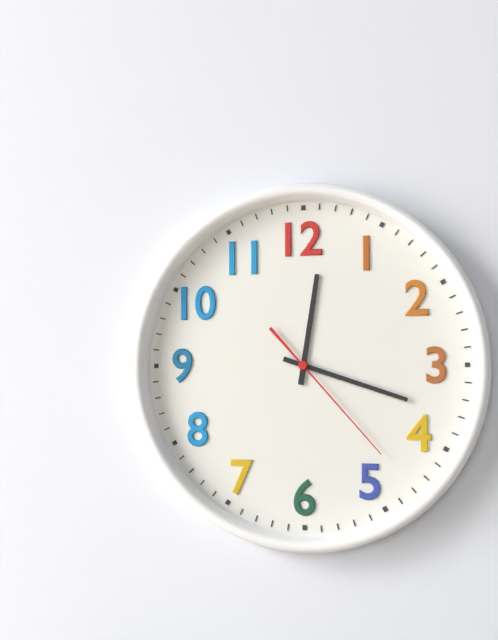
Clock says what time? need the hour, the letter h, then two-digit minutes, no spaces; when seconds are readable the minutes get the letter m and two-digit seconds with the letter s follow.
12h18m23s
